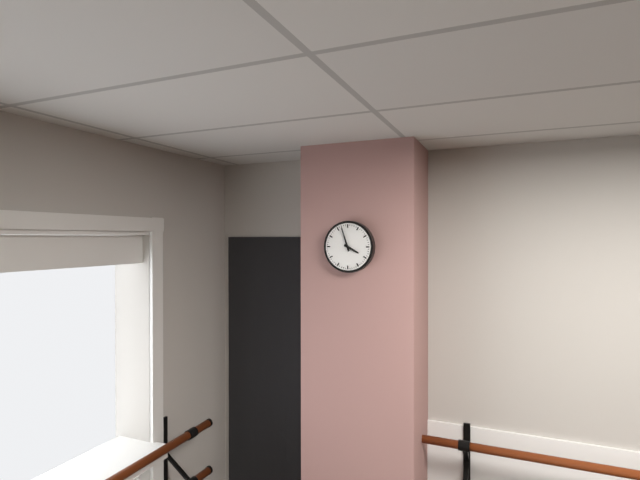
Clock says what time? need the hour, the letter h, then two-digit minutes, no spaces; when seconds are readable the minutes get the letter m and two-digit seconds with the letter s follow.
3h57
